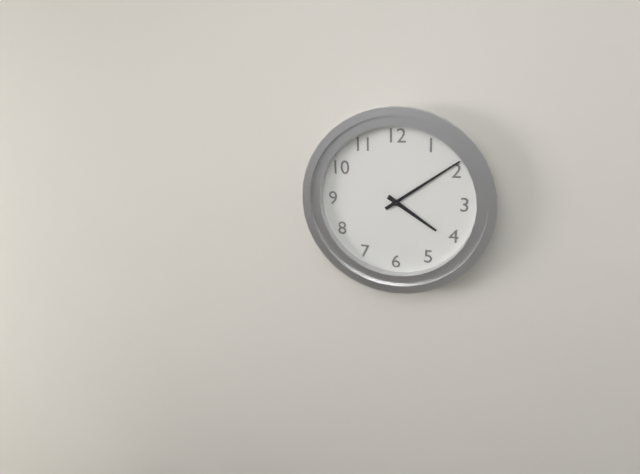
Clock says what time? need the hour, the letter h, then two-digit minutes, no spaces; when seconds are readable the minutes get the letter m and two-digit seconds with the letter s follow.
4h09
